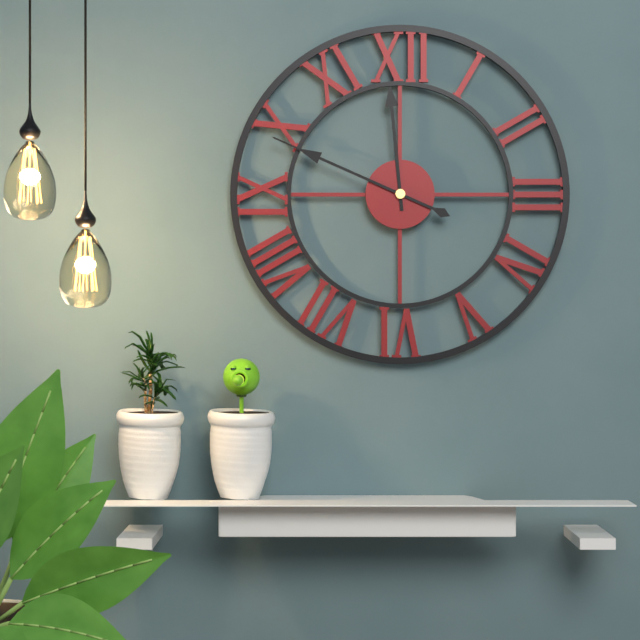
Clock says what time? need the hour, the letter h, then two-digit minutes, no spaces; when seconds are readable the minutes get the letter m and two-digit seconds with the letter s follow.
11h49
